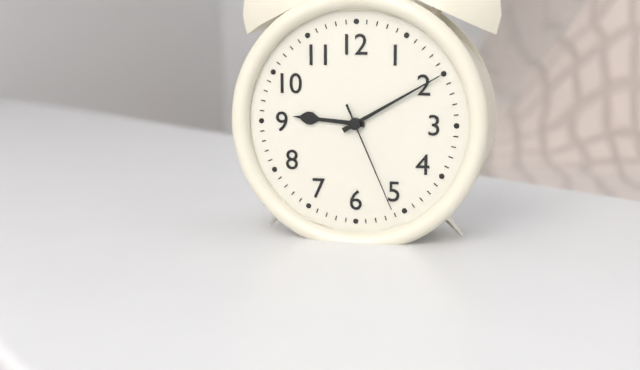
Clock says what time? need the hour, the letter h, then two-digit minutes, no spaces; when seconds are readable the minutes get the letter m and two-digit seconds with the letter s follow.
9h10m26s
